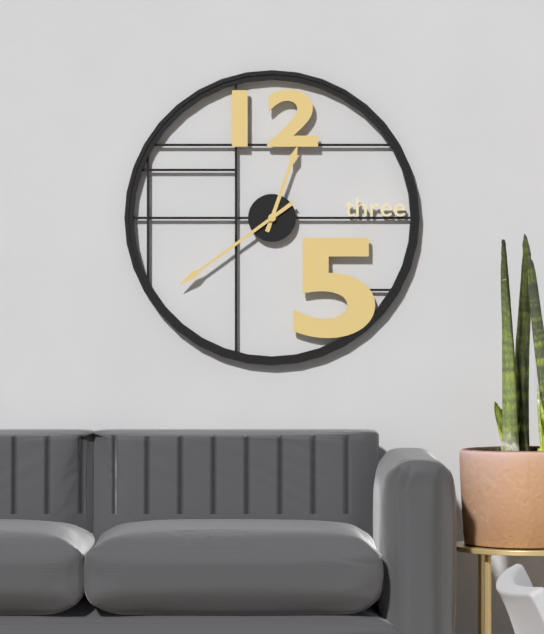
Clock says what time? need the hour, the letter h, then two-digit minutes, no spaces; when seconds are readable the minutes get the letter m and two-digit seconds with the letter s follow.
12h39
